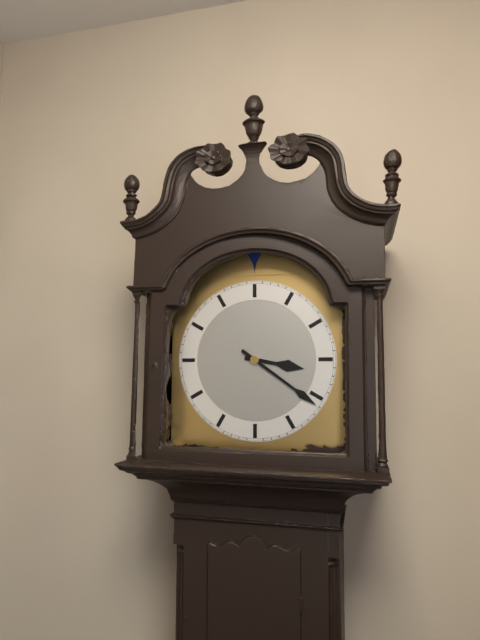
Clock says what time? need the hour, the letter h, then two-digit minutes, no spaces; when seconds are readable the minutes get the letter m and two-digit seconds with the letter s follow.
3h21
